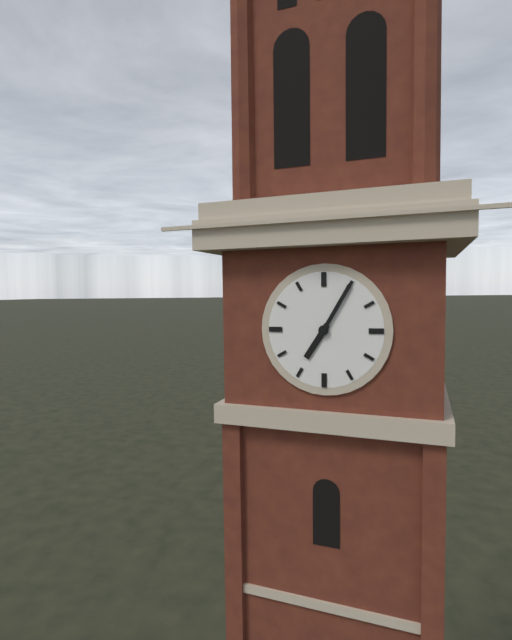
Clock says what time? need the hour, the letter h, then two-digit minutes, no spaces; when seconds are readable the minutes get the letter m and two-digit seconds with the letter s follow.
7h05
